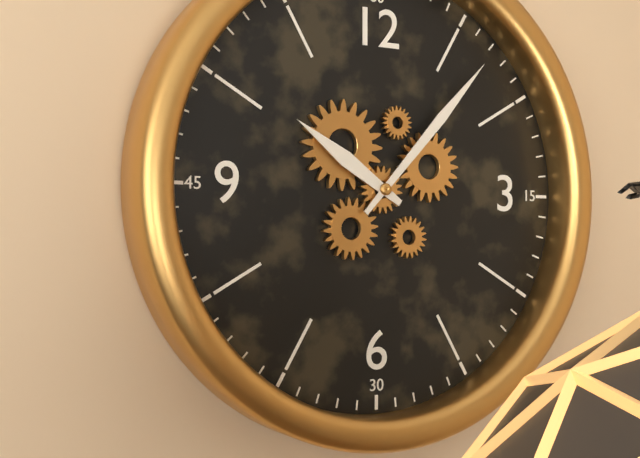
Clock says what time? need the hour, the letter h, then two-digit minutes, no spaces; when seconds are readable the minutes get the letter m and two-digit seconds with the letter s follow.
10h07
